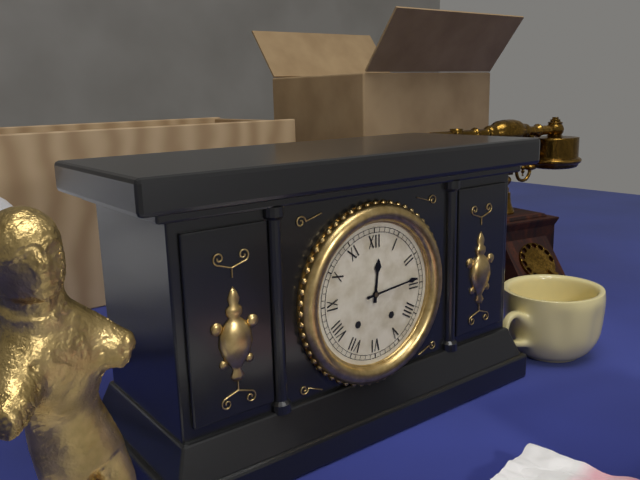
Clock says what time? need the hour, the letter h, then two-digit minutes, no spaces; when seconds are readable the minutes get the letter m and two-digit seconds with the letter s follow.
12h14
